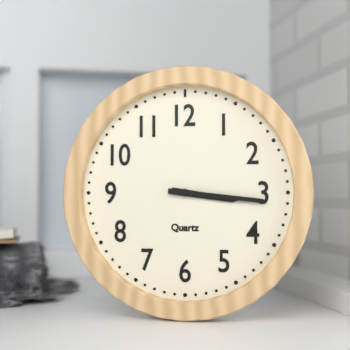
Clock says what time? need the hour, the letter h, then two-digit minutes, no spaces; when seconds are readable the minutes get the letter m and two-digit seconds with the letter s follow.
3h16
